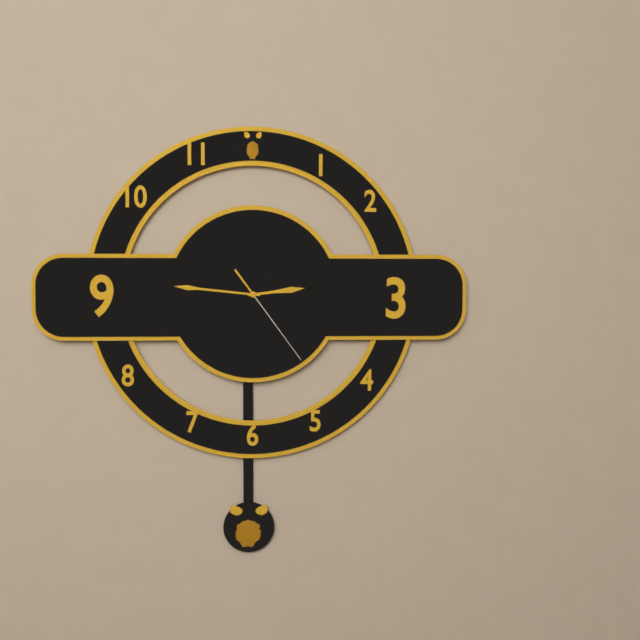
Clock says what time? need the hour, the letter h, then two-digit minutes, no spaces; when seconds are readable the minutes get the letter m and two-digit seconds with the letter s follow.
2h46m24s
